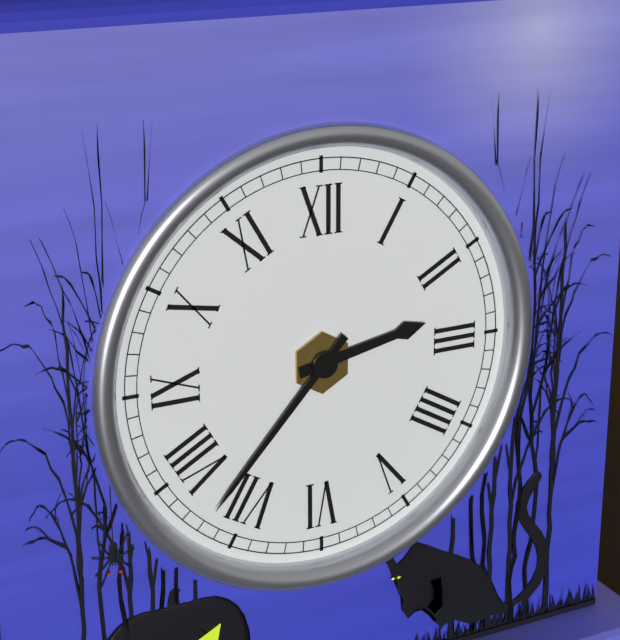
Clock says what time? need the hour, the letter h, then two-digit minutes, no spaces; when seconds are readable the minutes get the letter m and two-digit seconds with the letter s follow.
2h37
